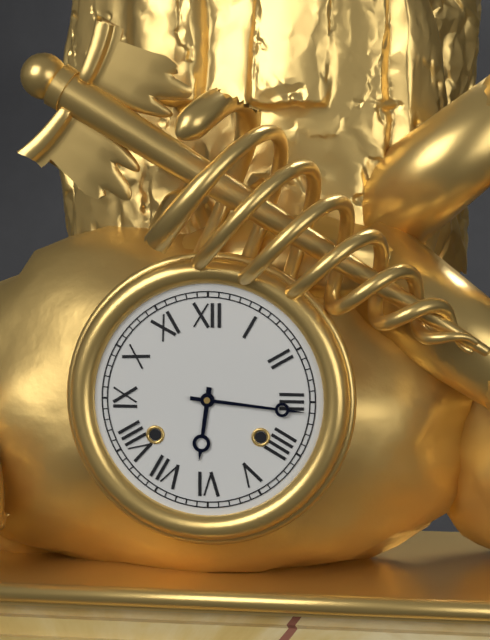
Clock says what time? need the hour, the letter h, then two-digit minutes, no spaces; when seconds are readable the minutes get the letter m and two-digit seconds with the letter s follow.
6h16
